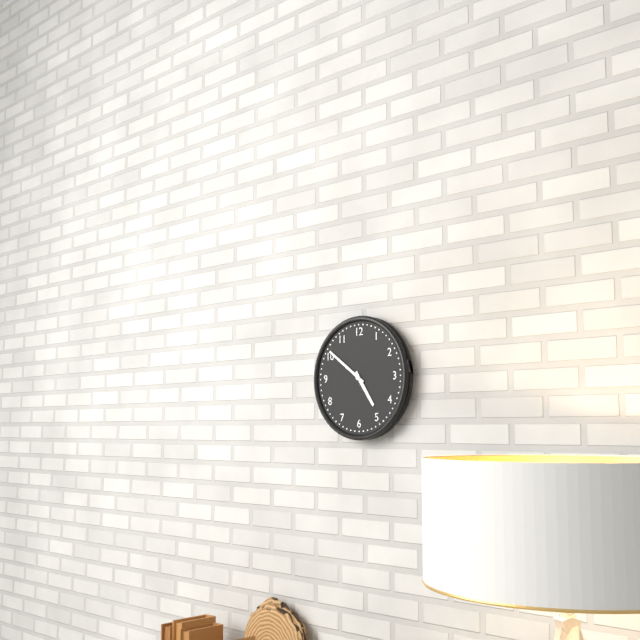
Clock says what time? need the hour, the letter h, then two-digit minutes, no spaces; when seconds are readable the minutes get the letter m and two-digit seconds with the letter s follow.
4h51
